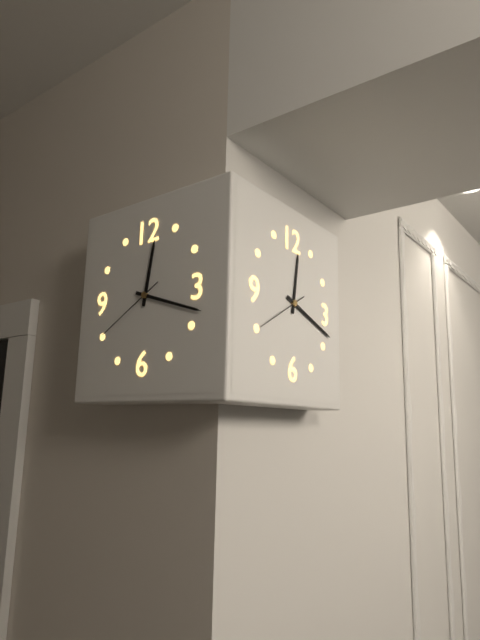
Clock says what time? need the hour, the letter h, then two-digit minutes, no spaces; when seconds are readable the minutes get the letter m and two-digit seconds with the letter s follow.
12h18
